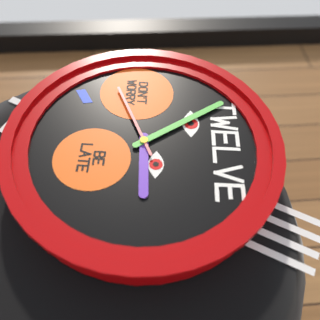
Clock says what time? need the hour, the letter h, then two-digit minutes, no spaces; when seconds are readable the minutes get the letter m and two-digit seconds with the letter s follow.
2h54m41s
